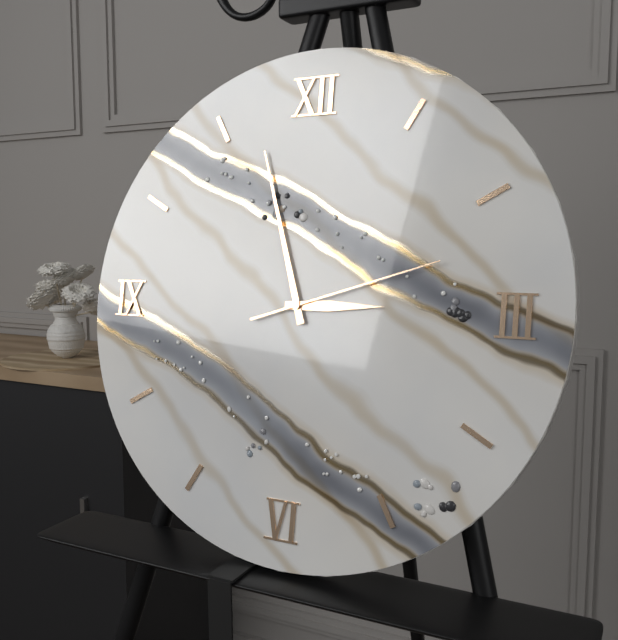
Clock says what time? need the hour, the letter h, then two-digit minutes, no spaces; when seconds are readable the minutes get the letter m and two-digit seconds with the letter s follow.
2h57m12s
